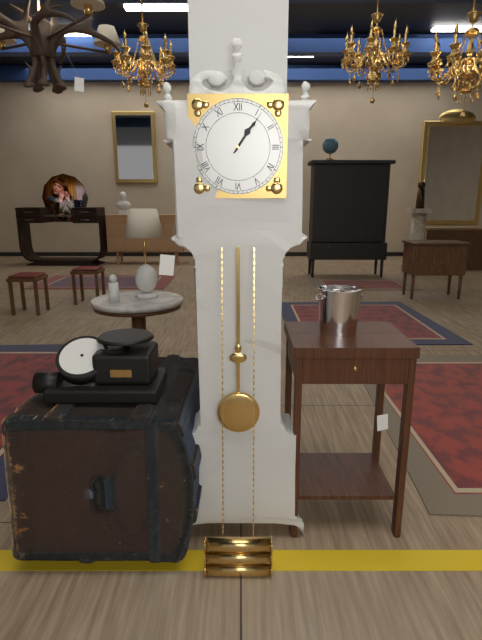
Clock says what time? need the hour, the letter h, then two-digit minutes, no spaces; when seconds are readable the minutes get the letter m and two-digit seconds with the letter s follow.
1h06
